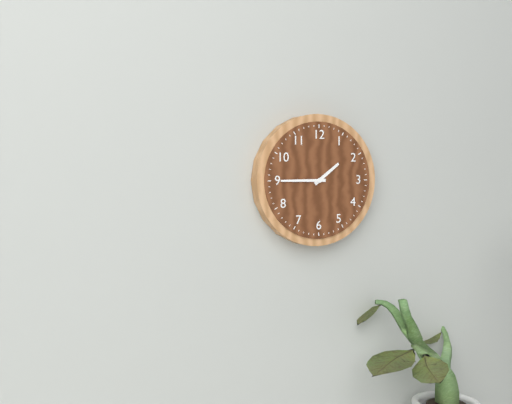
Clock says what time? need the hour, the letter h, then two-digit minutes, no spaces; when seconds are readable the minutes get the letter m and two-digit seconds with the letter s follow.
1h45
